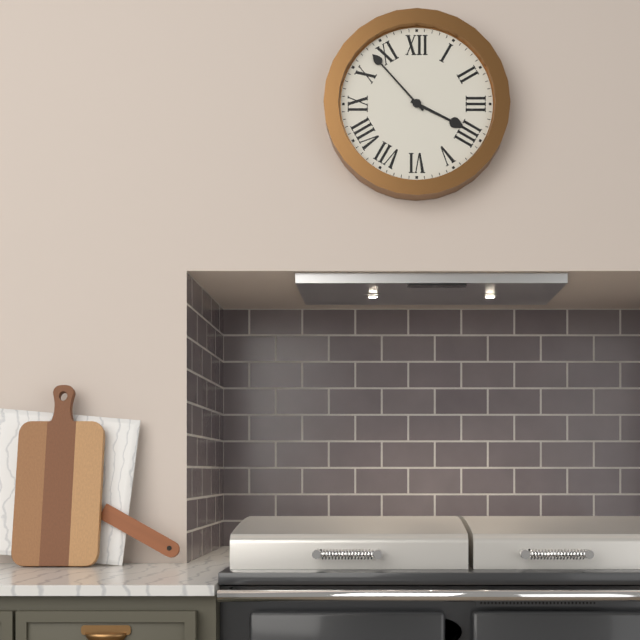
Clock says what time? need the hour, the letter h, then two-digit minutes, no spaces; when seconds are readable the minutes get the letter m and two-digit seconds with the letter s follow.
3h53
